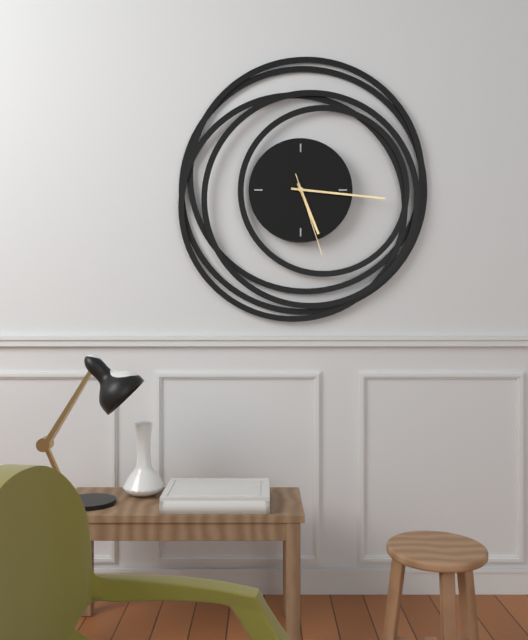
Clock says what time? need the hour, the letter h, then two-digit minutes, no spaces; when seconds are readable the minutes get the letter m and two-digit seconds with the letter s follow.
5h16m27s
